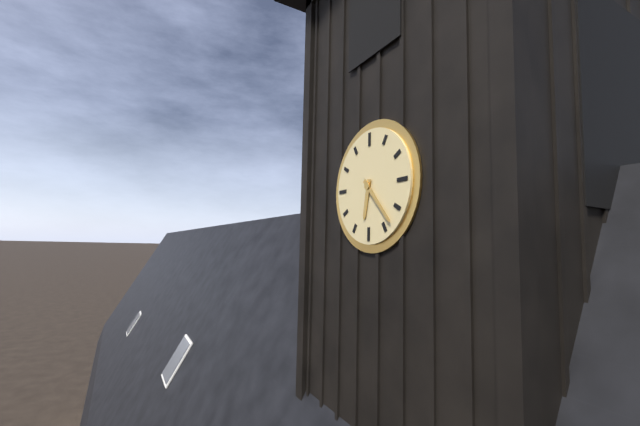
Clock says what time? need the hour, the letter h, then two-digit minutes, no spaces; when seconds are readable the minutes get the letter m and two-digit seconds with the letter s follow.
6h23
